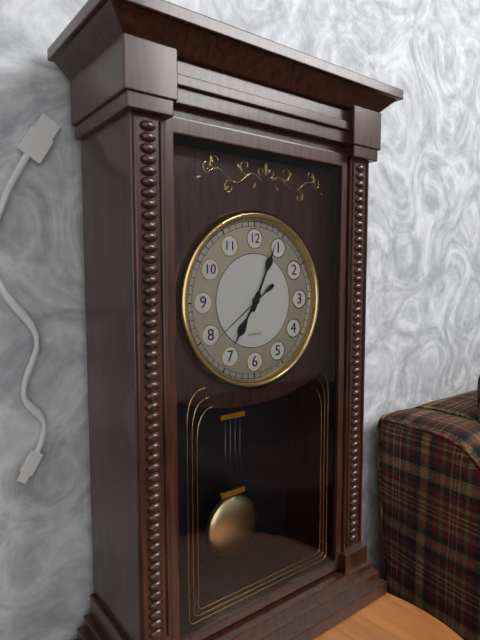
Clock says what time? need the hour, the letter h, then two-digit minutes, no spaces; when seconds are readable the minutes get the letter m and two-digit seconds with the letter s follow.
7h04m39s
